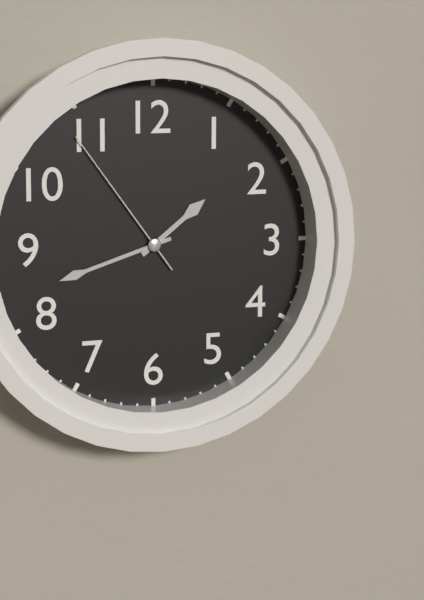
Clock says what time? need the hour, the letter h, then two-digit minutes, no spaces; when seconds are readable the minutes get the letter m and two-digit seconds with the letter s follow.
1h42m54s
